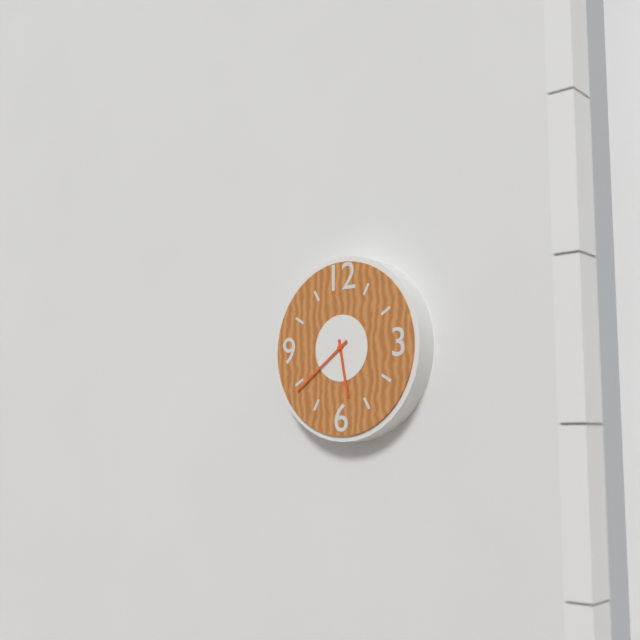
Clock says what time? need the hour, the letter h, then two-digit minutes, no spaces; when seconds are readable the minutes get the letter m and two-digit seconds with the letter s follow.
5h39
